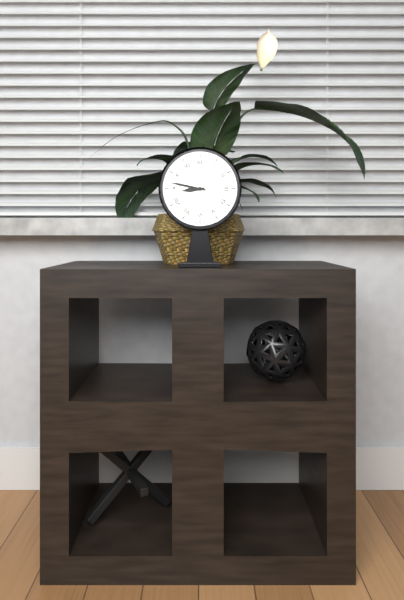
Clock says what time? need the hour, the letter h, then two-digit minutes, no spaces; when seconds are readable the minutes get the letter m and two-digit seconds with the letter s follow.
8h47
